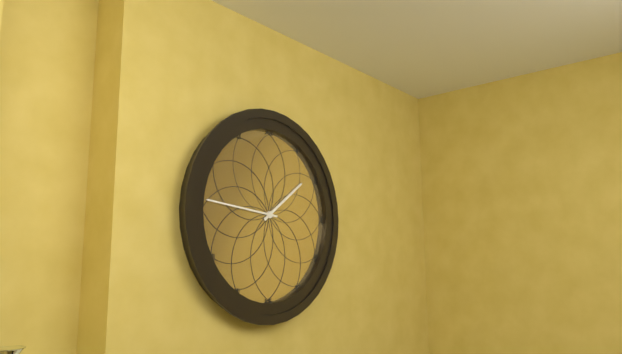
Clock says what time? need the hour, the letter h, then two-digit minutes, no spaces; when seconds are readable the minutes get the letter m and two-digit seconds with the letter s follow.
1h46
